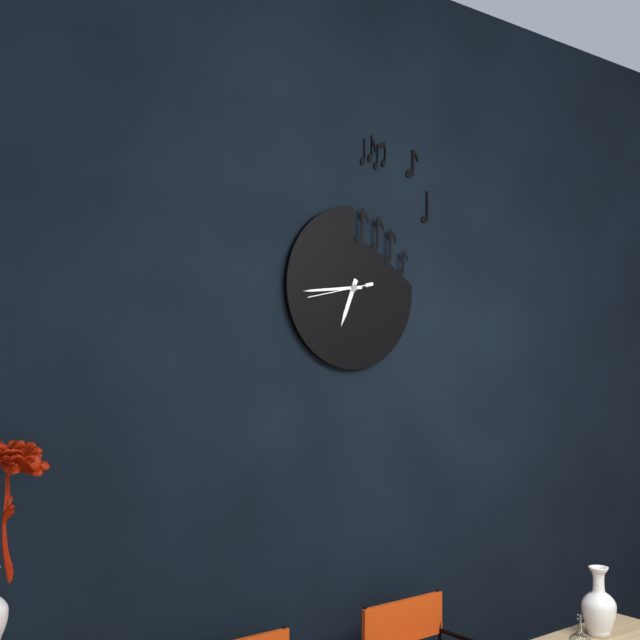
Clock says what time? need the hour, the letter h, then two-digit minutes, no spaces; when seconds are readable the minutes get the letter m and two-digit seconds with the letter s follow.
6h44m43s
